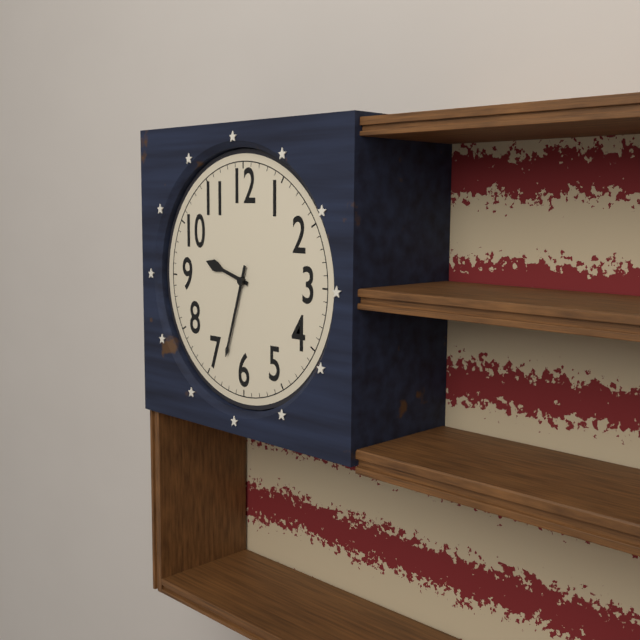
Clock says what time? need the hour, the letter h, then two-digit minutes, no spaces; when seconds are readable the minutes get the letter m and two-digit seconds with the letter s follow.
9h33
